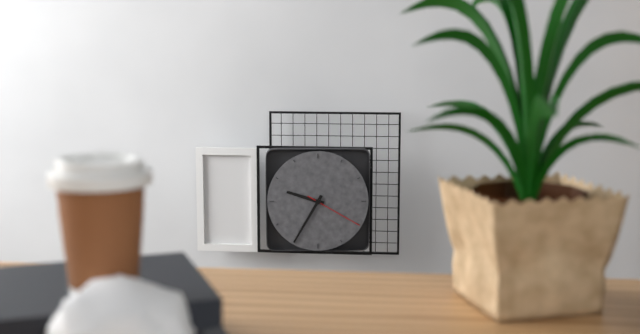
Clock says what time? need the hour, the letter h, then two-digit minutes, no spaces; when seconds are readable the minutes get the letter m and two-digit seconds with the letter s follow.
9h35m20s
